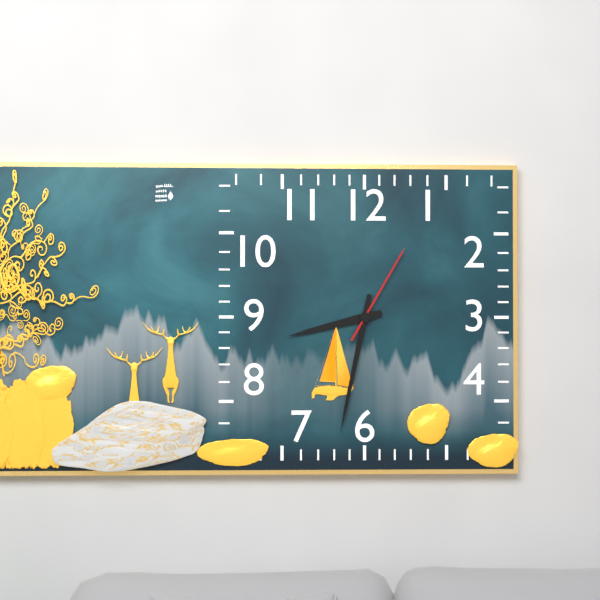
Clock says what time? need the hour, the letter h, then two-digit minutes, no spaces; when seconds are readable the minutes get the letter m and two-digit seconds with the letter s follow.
8h32m05s
